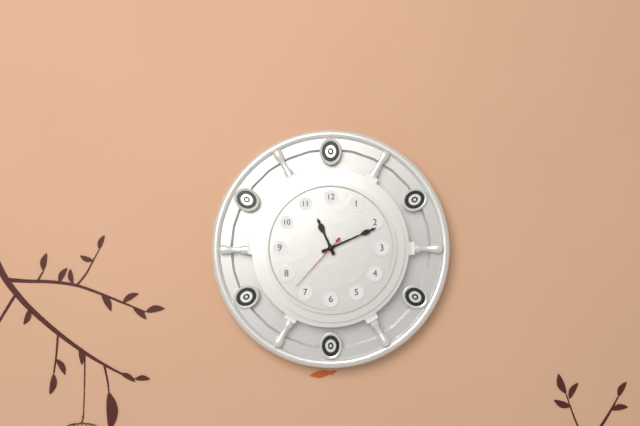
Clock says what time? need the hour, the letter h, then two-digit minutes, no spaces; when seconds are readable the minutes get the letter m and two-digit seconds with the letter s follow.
11h11m37s
